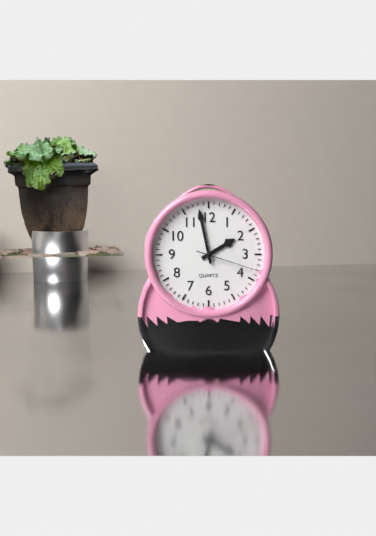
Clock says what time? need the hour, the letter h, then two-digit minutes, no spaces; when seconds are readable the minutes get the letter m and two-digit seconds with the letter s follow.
1h58m18s
